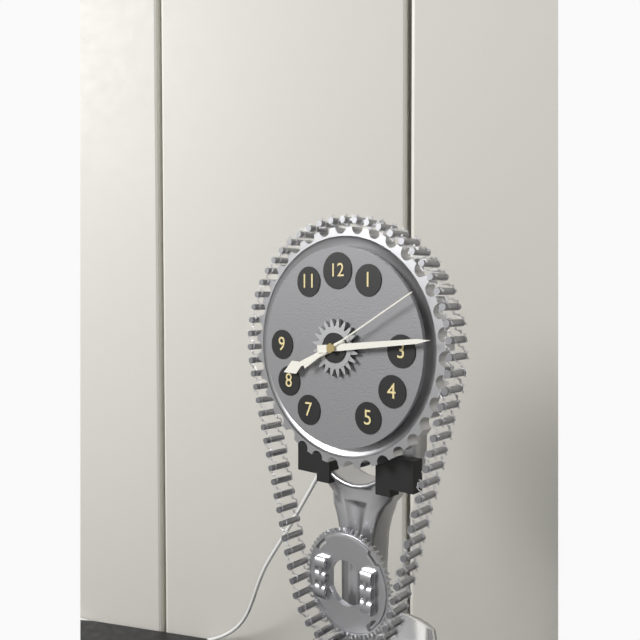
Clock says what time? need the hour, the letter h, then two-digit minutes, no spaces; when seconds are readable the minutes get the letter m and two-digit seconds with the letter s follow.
8h14m10s
